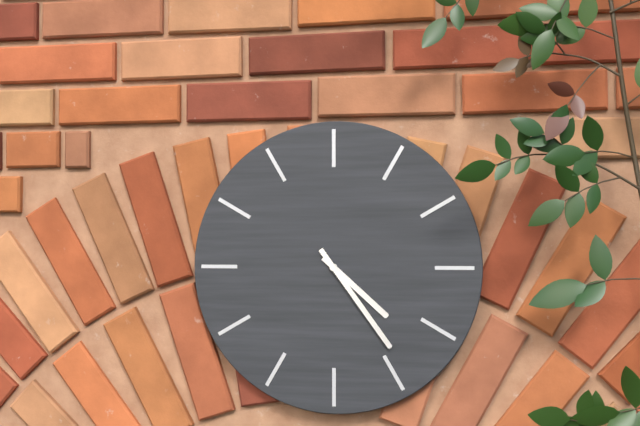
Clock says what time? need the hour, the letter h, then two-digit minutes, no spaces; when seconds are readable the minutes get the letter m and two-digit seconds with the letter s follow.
4h24
